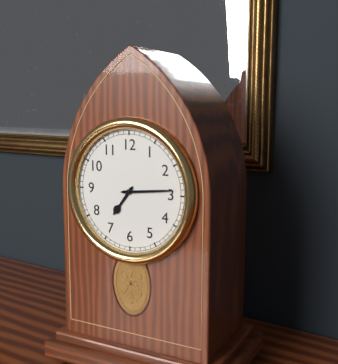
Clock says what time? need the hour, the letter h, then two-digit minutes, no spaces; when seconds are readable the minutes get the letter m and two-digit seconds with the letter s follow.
7h14
